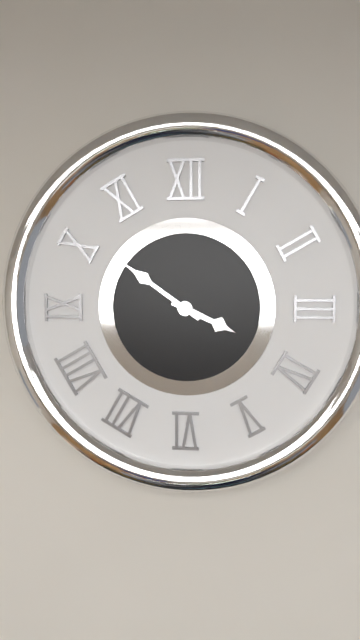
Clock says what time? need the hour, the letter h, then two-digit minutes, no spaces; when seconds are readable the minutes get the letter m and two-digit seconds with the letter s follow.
3h51
